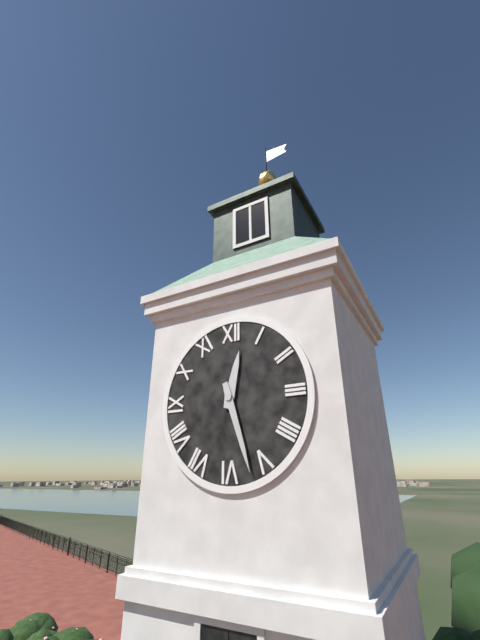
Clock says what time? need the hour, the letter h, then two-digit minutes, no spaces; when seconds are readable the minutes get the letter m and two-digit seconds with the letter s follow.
12h27
